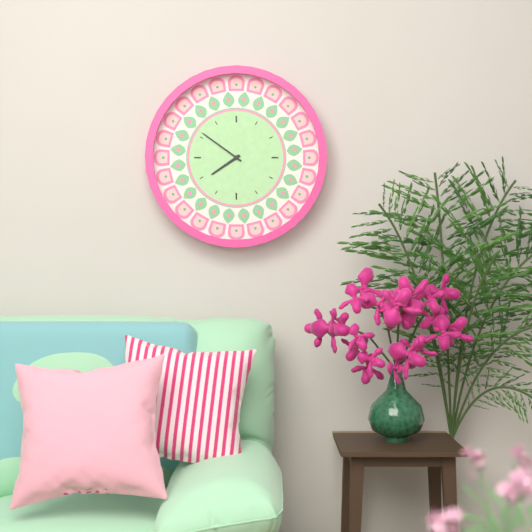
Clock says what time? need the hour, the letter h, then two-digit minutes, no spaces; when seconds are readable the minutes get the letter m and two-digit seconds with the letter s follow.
7h51
